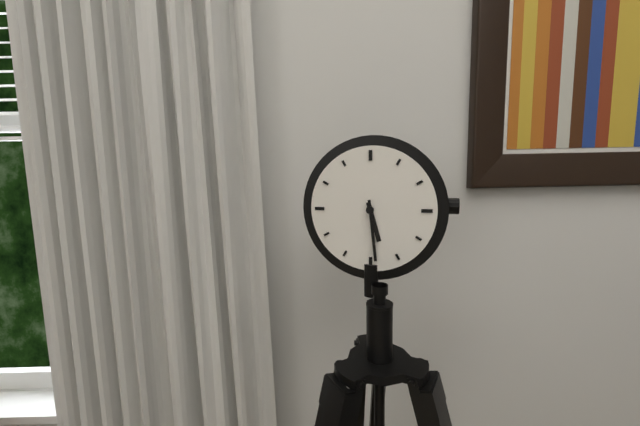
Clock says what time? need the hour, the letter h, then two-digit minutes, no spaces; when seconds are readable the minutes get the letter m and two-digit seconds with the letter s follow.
5h29
